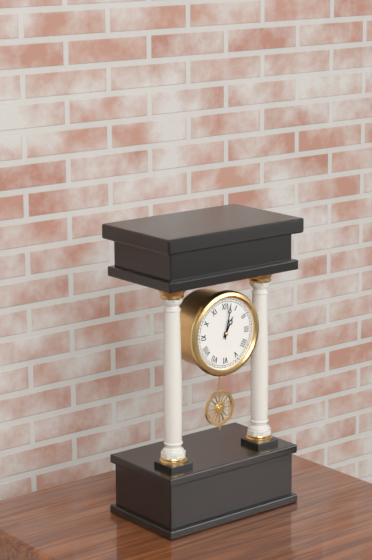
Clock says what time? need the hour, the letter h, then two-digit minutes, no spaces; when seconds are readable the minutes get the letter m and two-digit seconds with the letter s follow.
1h02
